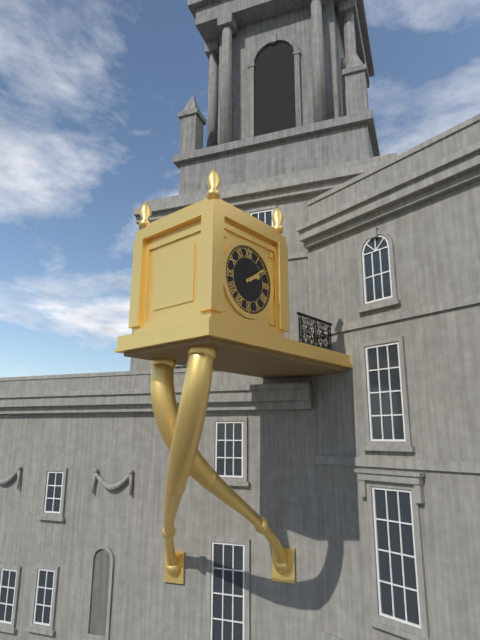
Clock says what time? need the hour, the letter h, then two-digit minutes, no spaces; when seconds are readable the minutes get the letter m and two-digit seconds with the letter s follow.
2h09
